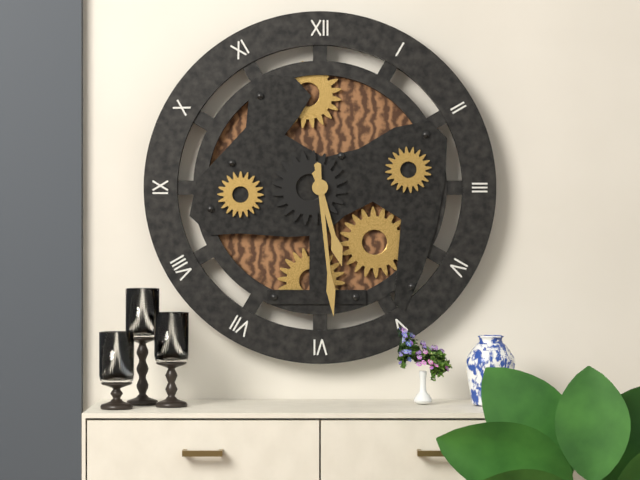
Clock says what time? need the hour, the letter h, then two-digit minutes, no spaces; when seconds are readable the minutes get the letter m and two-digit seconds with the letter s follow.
5h29
